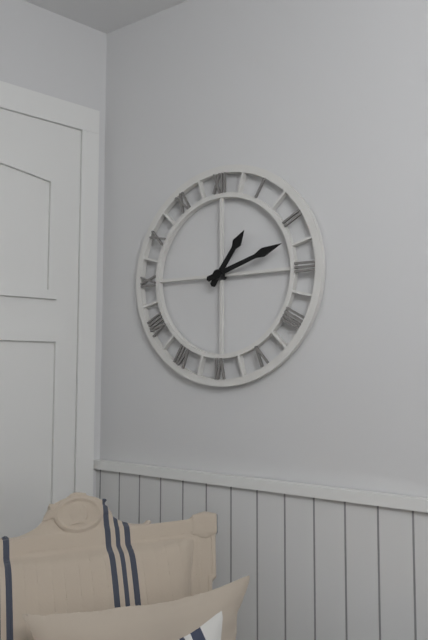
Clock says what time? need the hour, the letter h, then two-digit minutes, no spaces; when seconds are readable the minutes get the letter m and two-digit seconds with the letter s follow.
1h12
